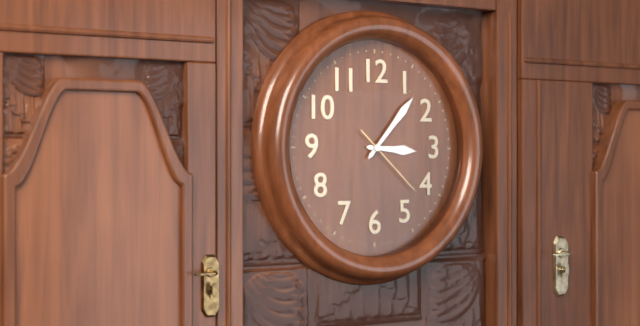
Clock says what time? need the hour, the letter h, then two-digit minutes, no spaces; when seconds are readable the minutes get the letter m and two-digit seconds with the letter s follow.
3h07m22s
